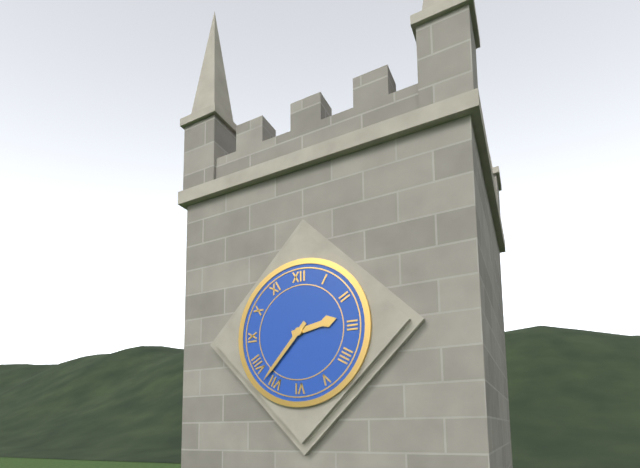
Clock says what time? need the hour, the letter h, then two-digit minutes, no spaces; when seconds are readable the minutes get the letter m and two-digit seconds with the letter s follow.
2h37
